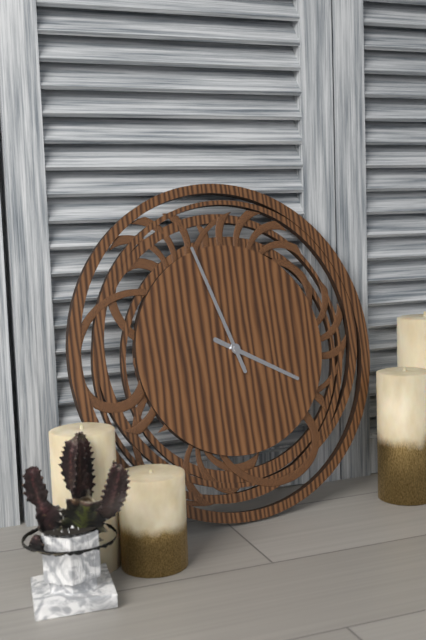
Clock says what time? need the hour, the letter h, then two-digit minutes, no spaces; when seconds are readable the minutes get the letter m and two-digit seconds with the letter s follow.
3h57
